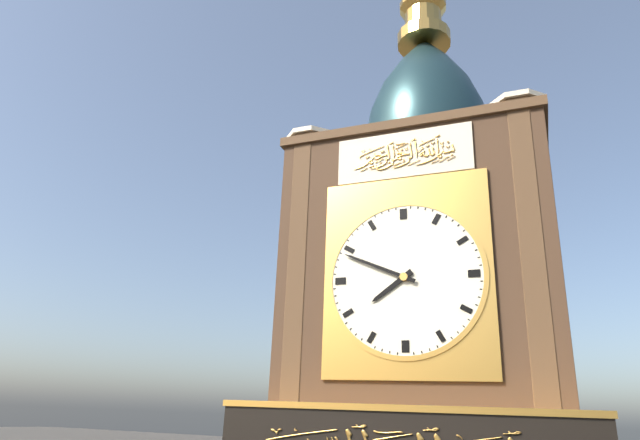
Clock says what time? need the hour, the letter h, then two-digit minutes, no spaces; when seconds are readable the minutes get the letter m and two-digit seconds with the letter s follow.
7h49
